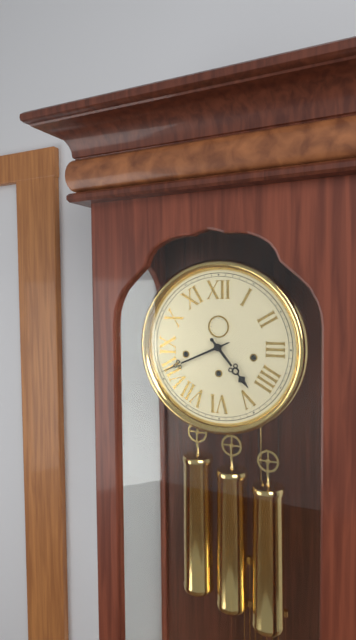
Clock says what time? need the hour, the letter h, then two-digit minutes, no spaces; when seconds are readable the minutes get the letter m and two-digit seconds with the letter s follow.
4h41
